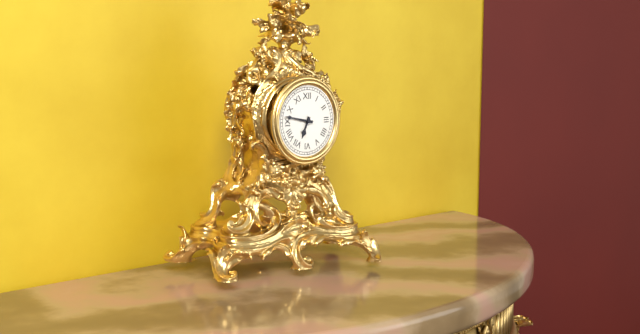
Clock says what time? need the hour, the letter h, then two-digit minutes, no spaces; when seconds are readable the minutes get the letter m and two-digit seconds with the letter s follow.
6h47
